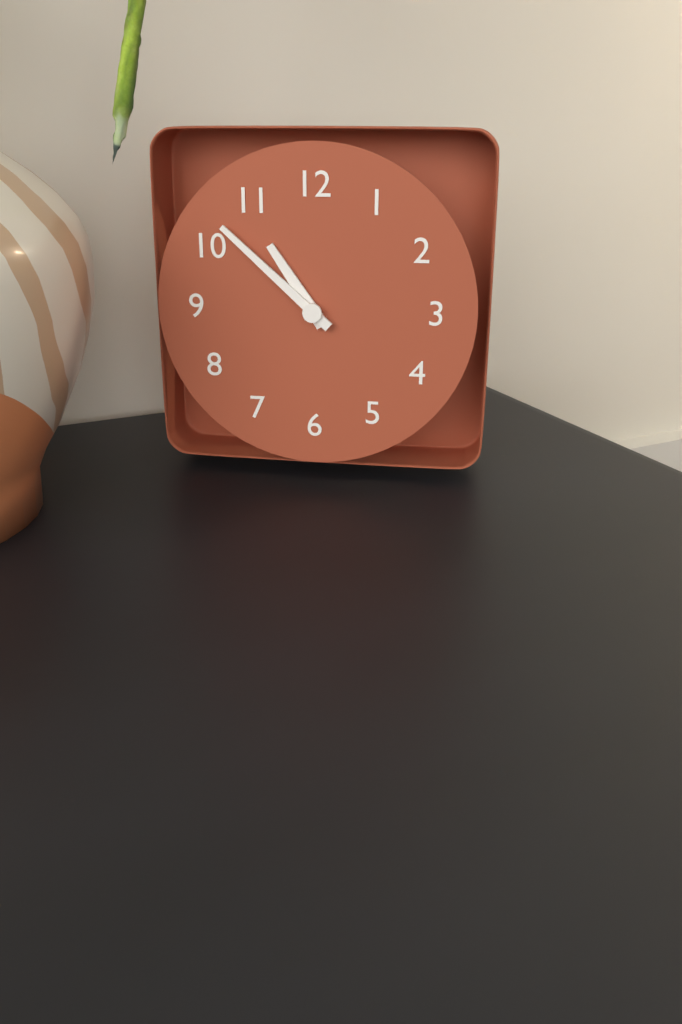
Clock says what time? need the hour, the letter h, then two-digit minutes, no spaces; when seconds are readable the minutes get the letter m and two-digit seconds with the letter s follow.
10h52
